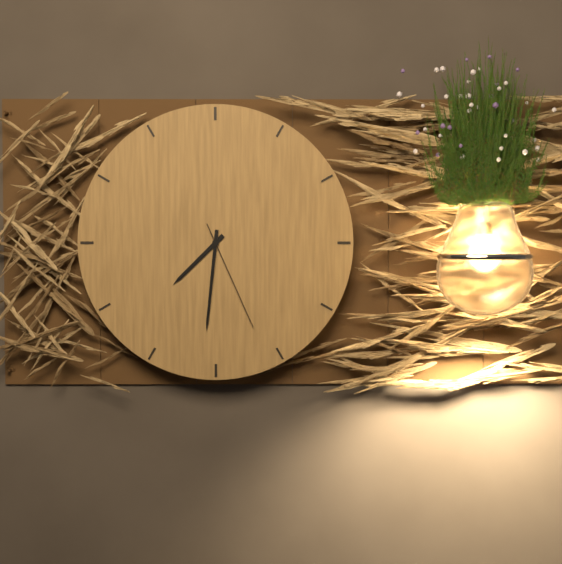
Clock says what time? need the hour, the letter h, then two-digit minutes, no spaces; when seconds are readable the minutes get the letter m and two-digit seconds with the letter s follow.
7h31m26s
